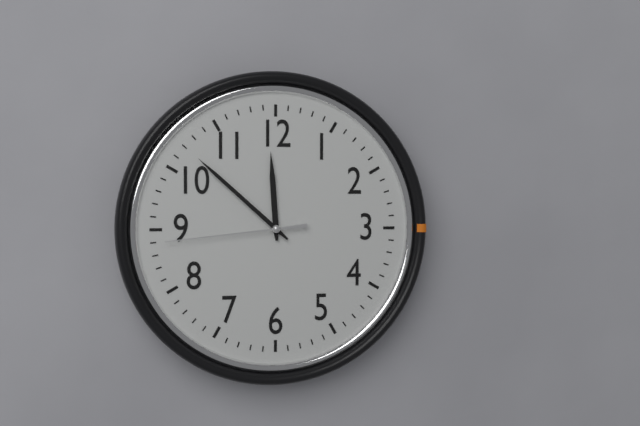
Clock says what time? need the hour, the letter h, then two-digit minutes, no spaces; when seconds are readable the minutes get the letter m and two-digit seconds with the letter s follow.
11h52m44s
